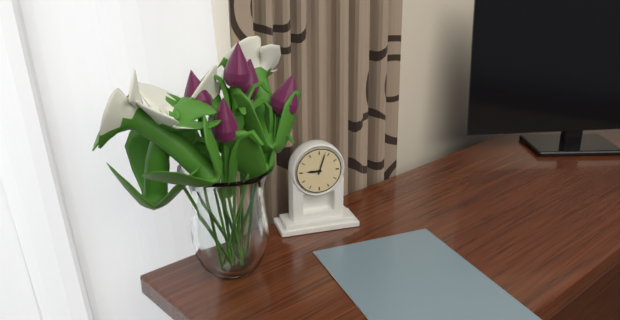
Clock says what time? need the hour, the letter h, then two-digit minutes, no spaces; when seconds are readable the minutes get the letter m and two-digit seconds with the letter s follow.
9h03
